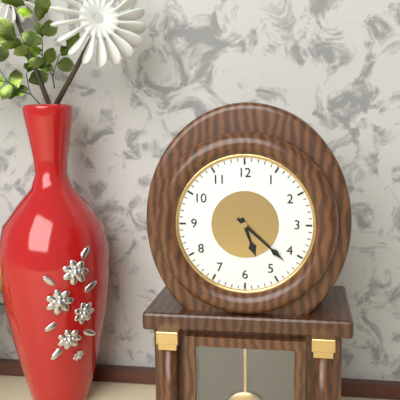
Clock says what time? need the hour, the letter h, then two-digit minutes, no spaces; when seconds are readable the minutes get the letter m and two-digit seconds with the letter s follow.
5h22
